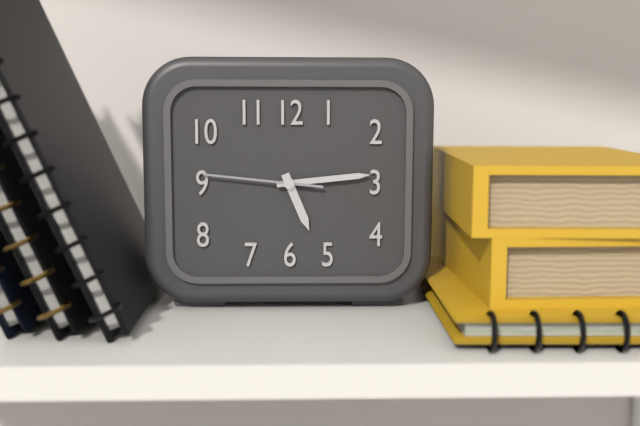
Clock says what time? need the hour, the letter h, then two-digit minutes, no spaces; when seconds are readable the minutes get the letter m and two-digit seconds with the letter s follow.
5h14m46s
